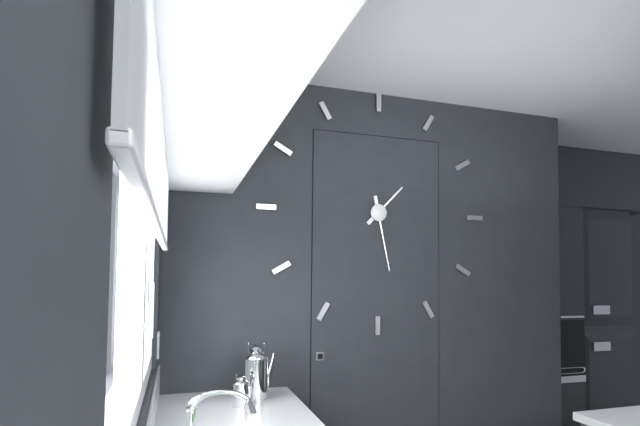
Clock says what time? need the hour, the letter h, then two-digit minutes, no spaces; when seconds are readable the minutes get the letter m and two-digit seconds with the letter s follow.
1h28
